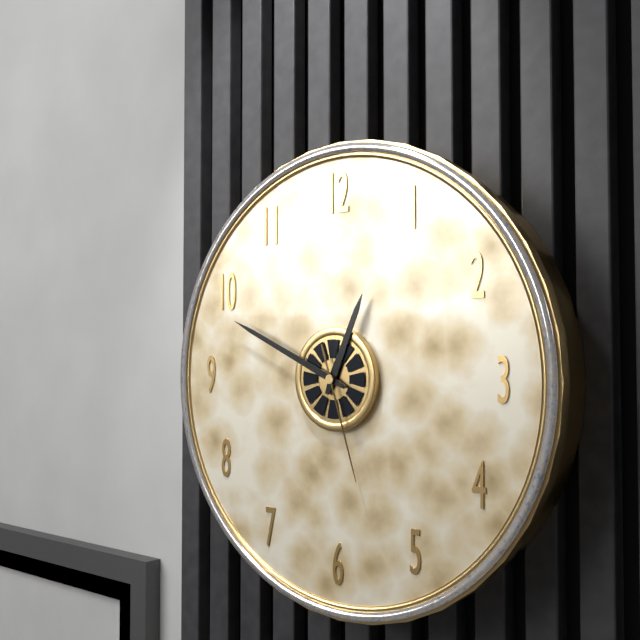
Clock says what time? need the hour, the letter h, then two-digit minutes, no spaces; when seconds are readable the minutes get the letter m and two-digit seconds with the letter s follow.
12h49m27s
